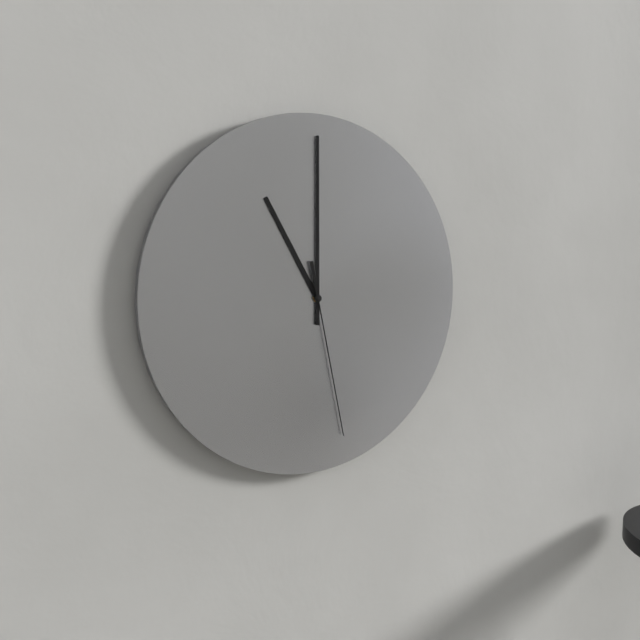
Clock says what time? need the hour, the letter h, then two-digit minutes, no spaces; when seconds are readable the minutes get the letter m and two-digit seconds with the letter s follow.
11h00m28s
